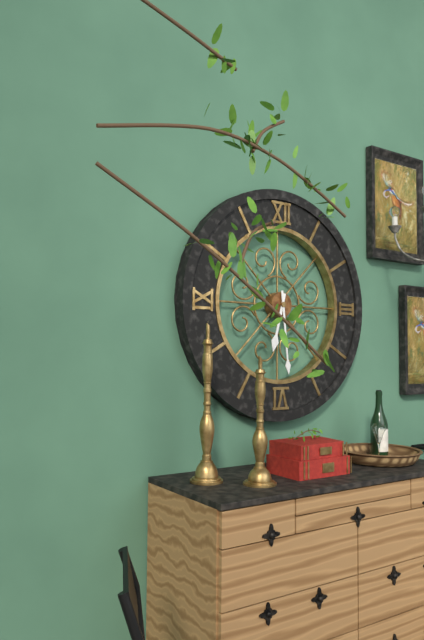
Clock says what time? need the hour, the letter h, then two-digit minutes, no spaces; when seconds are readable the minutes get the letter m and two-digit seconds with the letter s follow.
6h29
